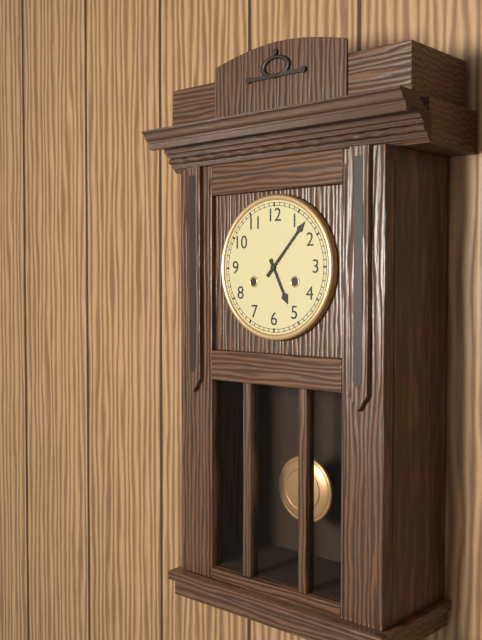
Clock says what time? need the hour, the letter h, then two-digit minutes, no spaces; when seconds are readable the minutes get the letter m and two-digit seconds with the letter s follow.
5h07
